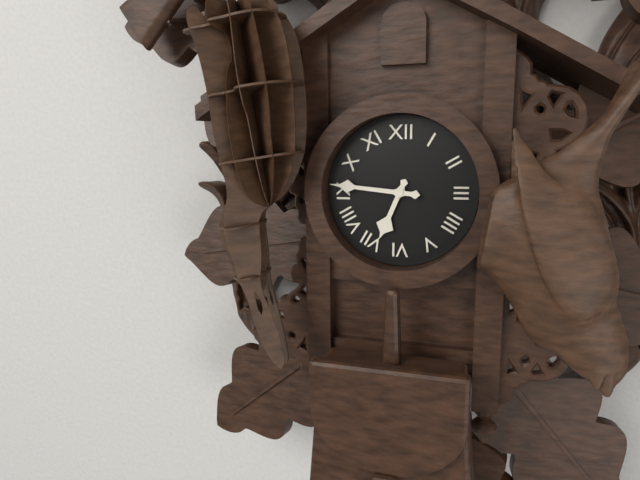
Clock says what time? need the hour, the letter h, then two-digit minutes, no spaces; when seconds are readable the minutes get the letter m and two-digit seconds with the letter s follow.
6h46
